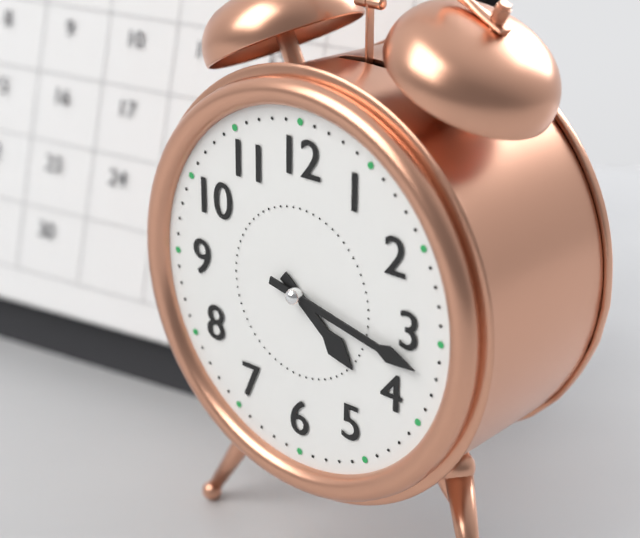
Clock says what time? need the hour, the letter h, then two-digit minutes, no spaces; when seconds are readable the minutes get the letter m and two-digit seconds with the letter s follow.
4h17
